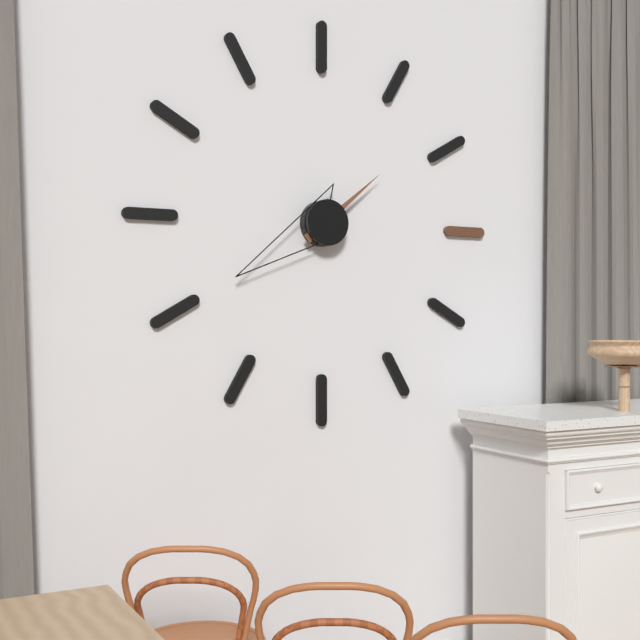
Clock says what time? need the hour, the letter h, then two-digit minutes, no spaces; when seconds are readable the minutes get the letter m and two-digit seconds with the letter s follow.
1h40
